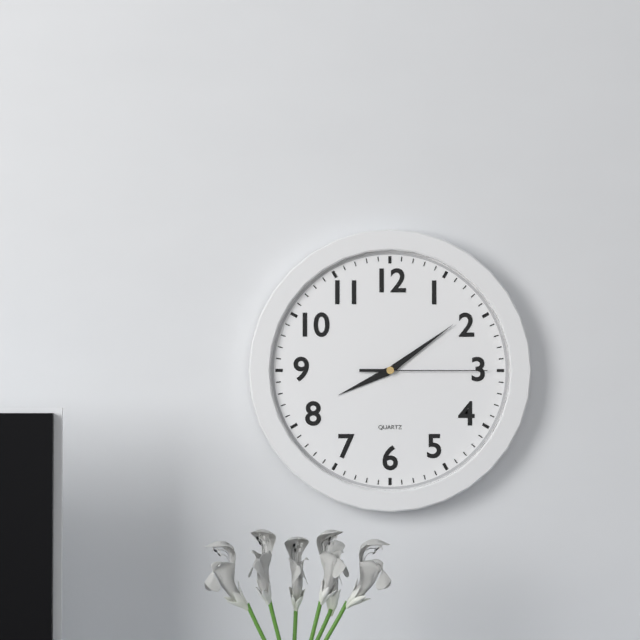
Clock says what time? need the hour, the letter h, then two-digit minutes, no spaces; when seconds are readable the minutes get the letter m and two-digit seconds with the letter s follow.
8h09m15s
